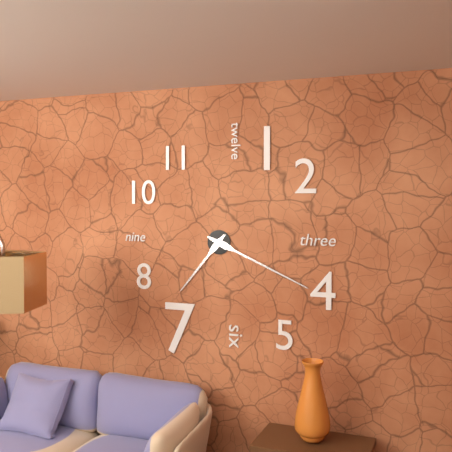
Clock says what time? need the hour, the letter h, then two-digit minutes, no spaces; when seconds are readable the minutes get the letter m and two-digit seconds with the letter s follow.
7h19
